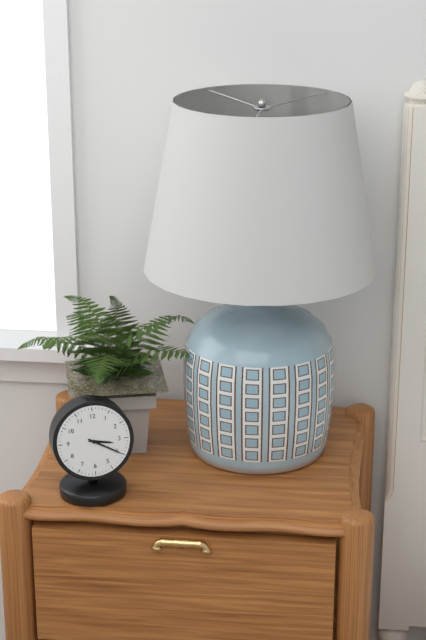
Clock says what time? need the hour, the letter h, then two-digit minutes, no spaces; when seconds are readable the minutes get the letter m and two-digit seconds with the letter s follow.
3h20
